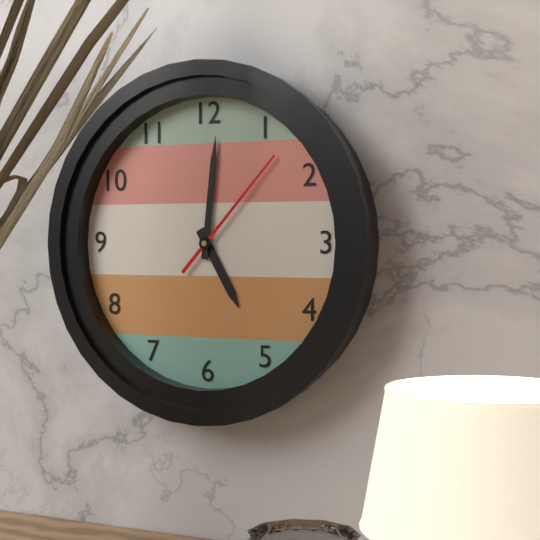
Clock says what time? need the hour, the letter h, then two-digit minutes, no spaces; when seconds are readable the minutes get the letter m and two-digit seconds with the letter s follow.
5h01m07s
